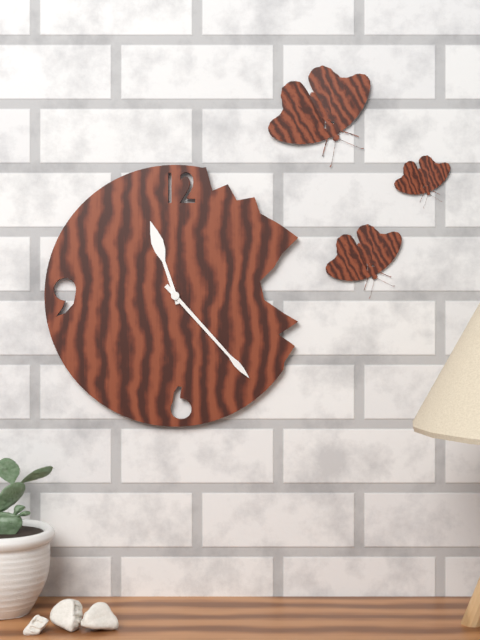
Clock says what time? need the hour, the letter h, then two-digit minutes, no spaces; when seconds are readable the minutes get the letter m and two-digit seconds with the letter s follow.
11h23
